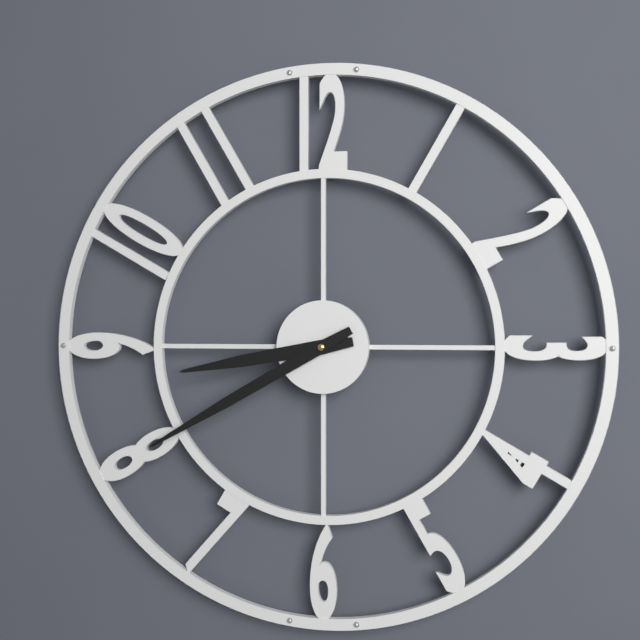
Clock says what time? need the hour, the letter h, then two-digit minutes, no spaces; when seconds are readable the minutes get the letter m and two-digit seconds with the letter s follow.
8h40
